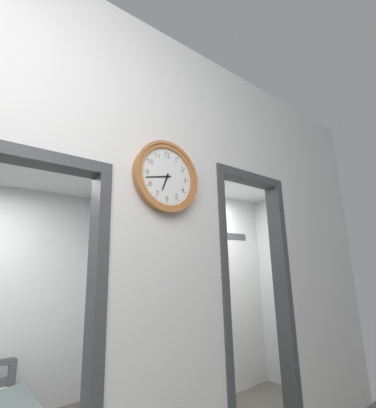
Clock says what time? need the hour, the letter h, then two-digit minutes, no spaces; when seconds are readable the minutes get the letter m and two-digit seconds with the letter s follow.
6h43
